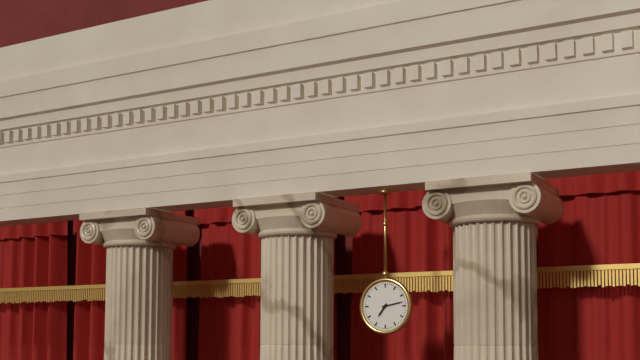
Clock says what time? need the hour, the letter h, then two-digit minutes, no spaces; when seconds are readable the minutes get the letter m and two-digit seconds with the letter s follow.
7h13
